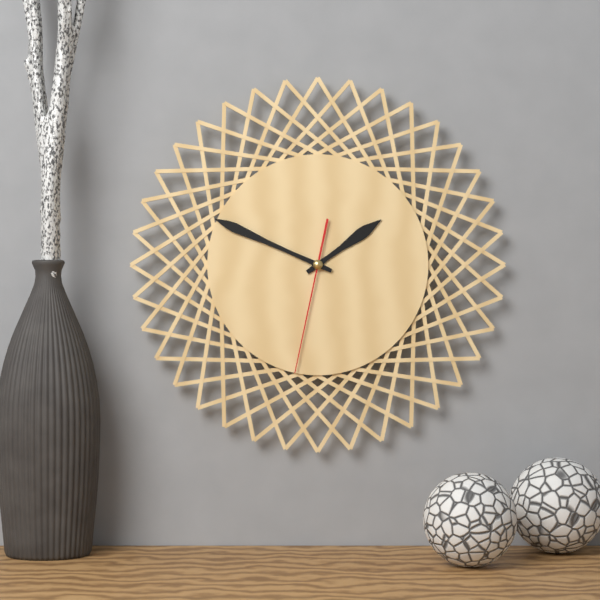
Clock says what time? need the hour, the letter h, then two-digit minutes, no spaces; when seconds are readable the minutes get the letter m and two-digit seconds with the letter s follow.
1h49m32s
